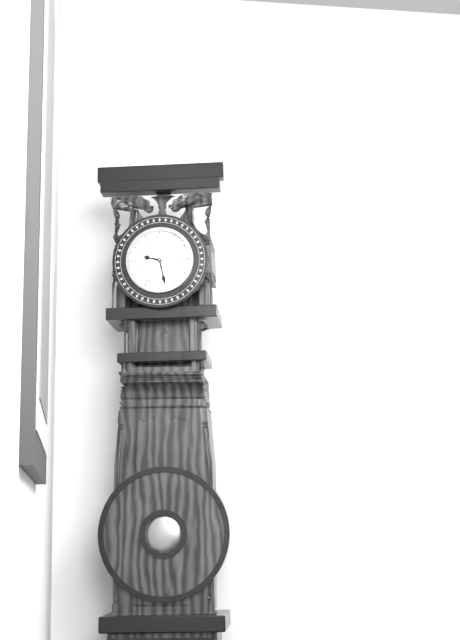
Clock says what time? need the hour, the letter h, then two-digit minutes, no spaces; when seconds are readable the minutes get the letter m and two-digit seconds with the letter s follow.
9h28
